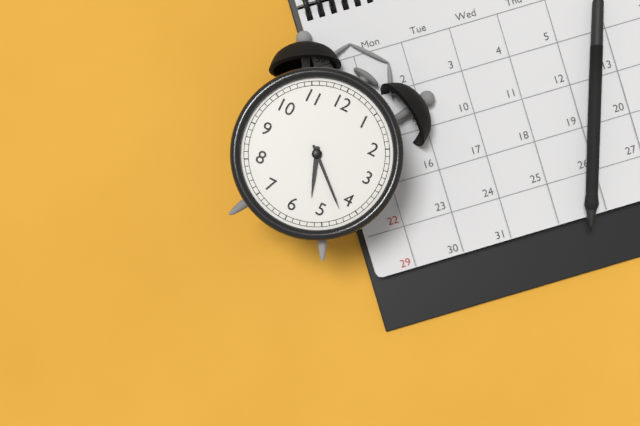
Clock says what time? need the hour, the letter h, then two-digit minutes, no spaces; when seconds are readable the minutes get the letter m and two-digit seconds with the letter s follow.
5h22
